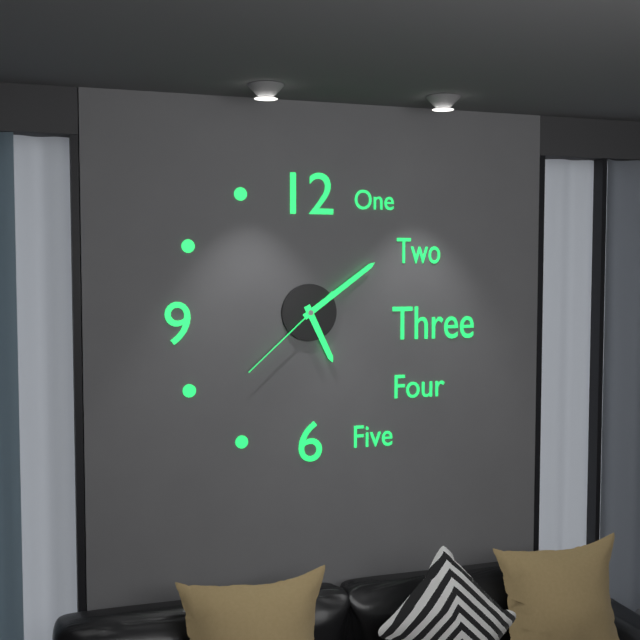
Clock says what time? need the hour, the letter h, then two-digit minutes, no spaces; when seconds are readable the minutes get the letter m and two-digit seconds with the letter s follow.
5h09m38s
